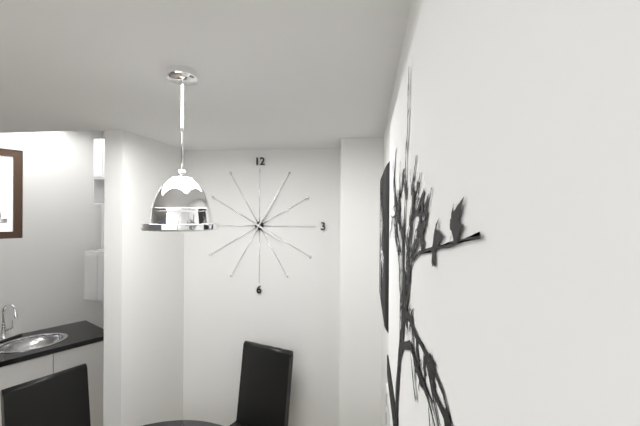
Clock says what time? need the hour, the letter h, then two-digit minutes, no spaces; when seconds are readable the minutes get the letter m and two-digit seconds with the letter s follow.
4h05
